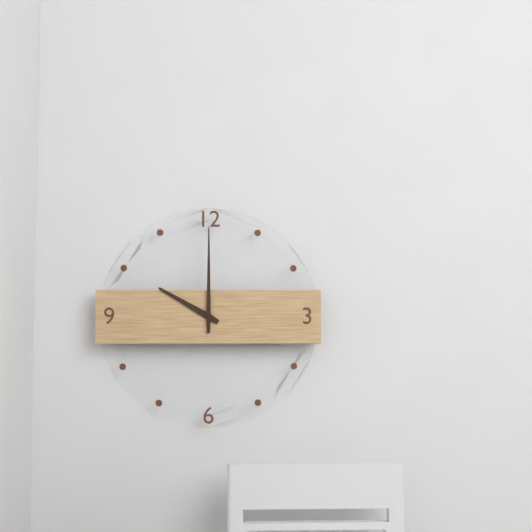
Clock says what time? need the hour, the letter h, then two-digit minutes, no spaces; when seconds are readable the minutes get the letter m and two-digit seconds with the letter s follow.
10h00
